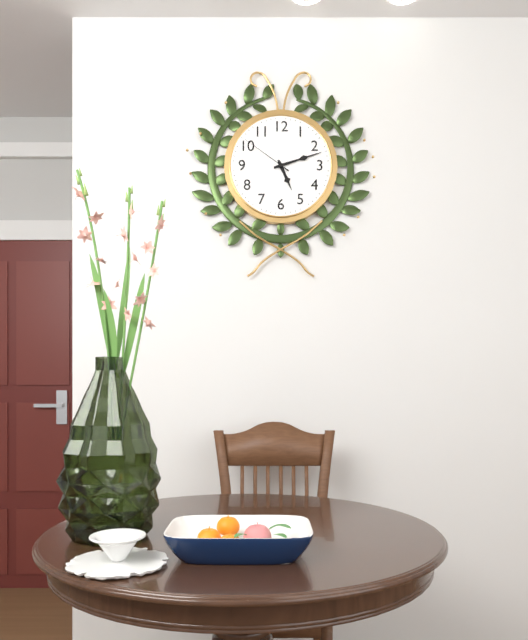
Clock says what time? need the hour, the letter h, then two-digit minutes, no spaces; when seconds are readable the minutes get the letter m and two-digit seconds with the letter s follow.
5h12m51s
